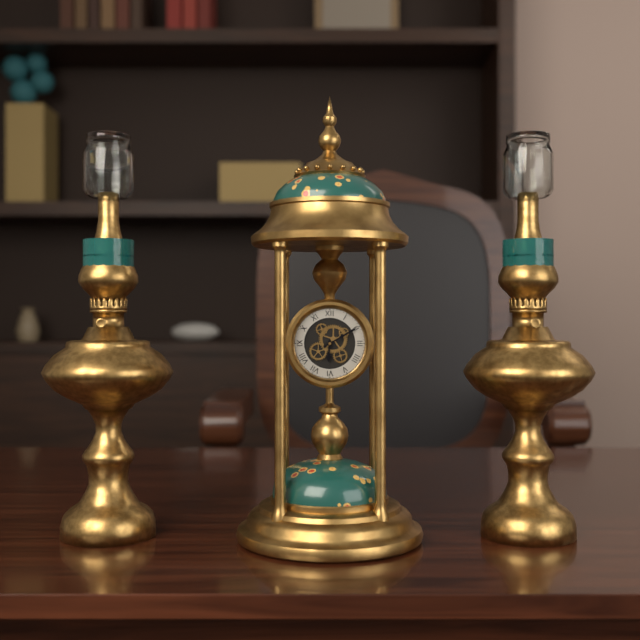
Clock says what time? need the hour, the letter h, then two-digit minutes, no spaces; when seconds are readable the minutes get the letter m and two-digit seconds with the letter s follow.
6h10
